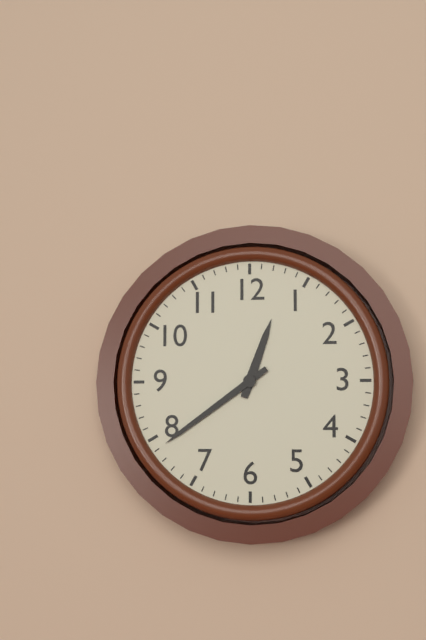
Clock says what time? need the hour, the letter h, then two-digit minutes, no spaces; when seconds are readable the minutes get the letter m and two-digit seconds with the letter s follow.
12h39
